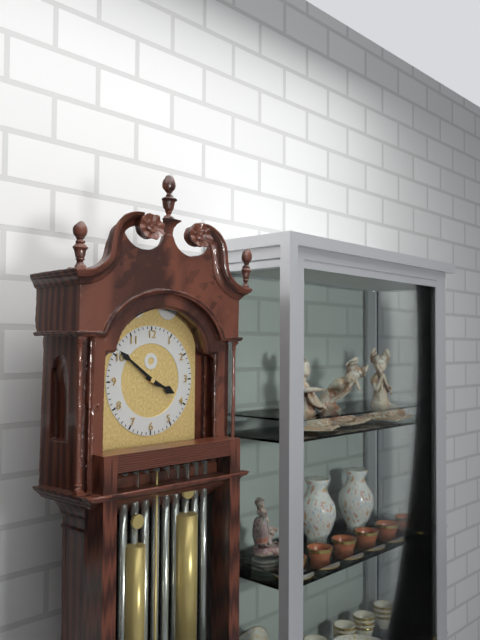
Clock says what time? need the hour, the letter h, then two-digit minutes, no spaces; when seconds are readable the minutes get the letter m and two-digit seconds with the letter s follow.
3h51
